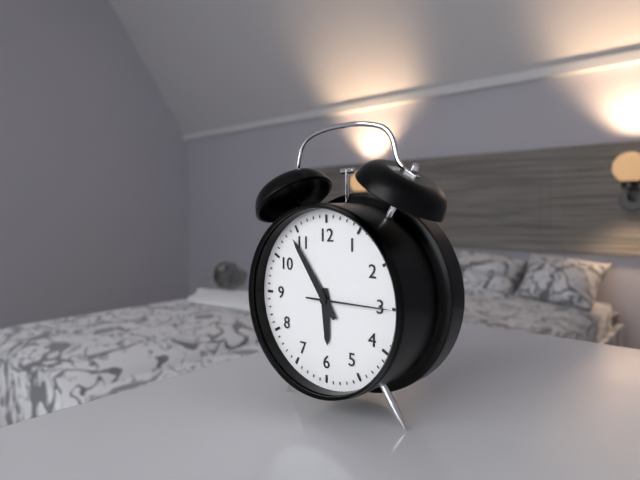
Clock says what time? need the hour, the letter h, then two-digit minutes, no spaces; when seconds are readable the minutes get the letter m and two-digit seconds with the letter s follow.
5h54m15s
